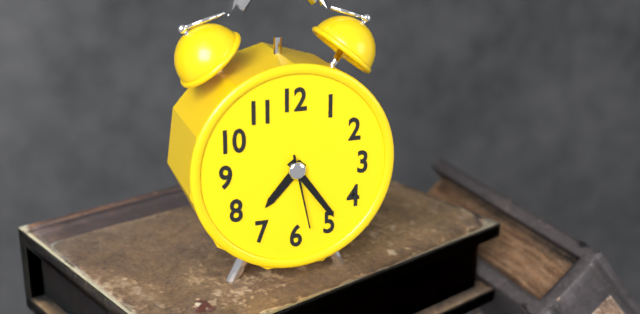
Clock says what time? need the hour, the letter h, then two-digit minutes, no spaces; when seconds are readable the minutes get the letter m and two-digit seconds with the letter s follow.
7h24m28s
